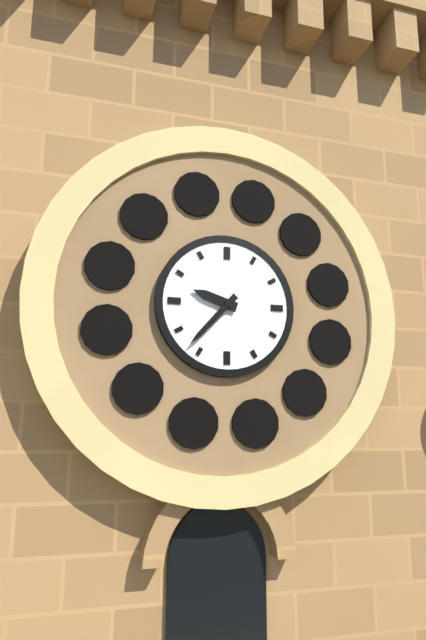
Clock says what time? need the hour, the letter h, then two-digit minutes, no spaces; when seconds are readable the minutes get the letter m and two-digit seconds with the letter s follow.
9h37
